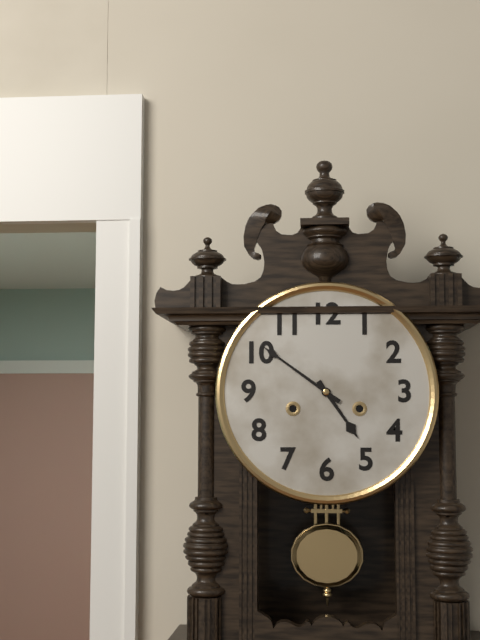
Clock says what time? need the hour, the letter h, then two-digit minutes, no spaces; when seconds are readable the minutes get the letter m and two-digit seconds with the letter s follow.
4h51
